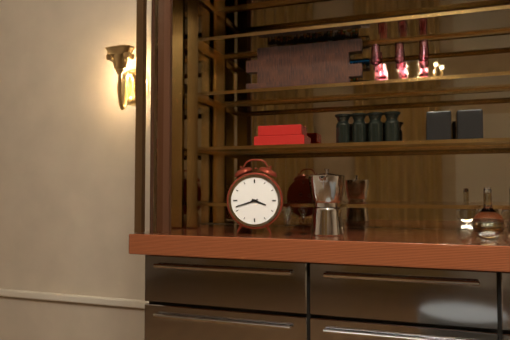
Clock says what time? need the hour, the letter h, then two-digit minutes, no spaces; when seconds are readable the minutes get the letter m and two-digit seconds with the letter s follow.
3h42
